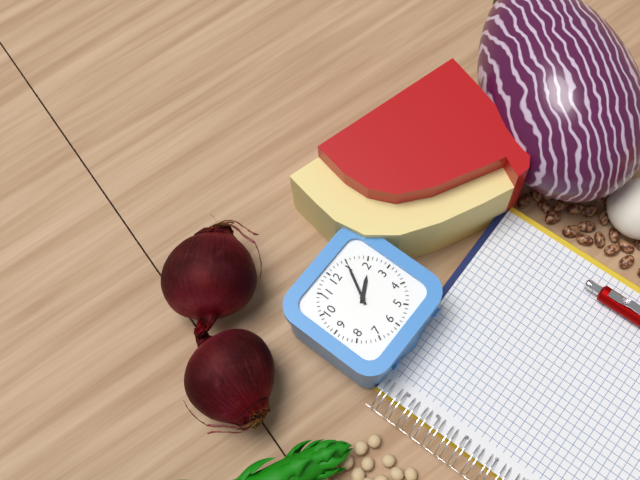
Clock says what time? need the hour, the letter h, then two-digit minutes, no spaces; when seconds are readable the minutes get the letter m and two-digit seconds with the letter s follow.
2h05
